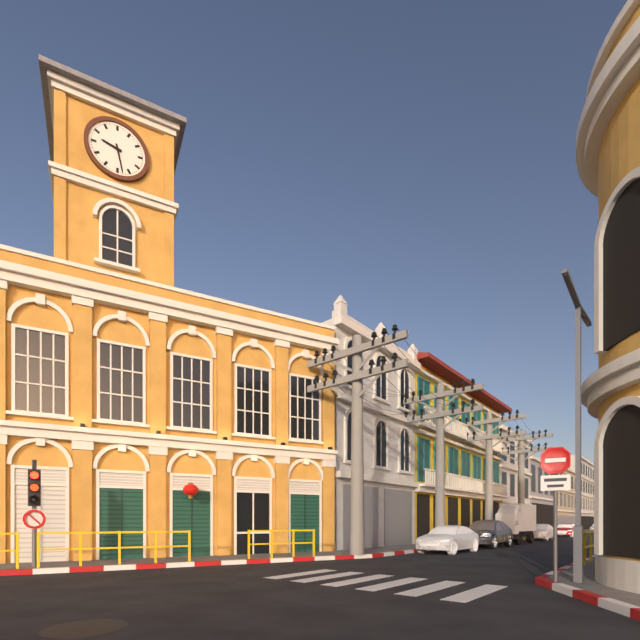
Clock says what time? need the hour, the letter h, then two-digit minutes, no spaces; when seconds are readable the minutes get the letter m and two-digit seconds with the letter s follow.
9h28
